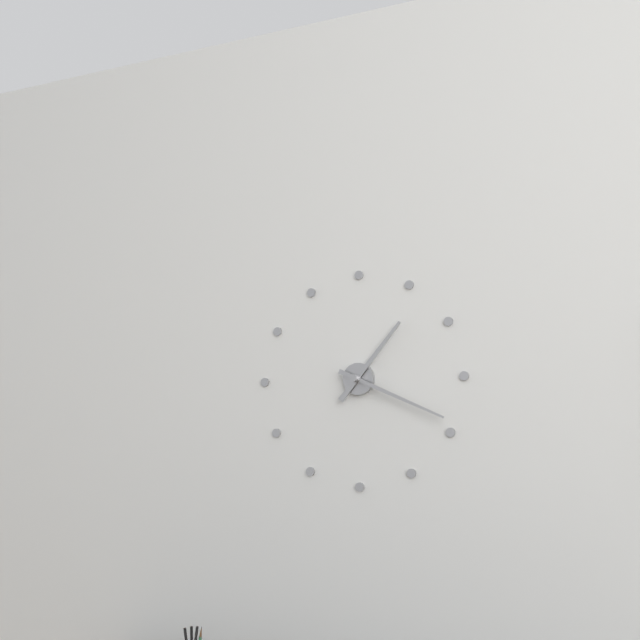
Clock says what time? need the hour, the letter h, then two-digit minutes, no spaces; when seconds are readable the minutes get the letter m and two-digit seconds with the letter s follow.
1h19
